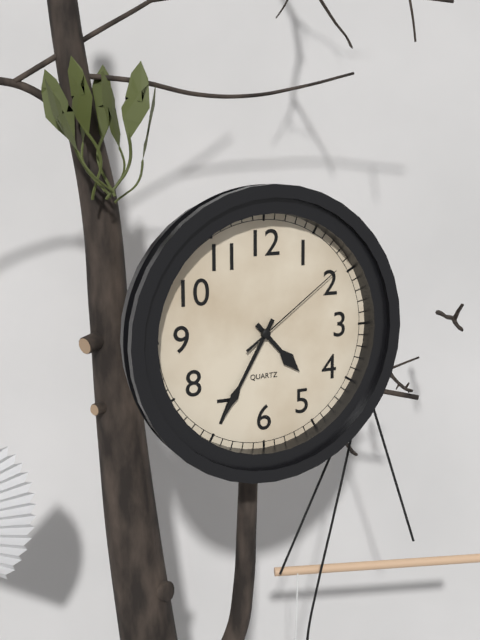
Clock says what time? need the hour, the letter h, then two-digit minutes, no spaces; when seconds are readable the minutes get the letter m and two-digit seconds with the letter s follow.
4h35m09s
